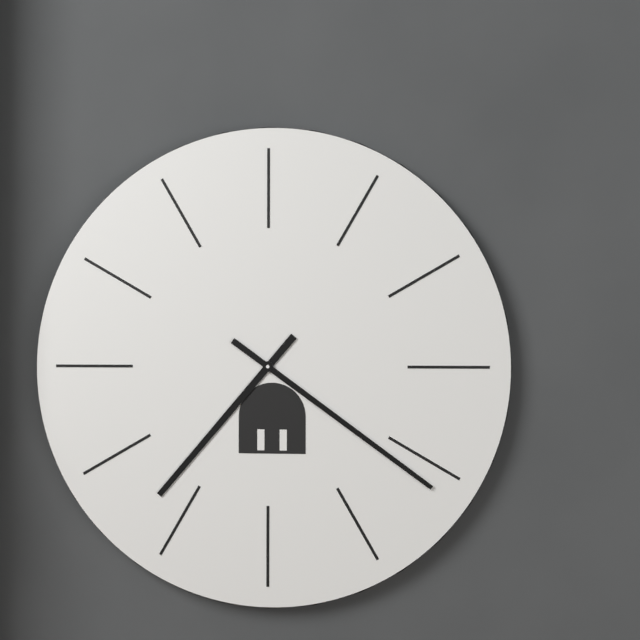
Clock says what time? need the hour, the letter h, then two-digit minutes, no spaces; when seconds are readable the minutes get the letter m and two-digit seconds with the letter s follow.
7h21
